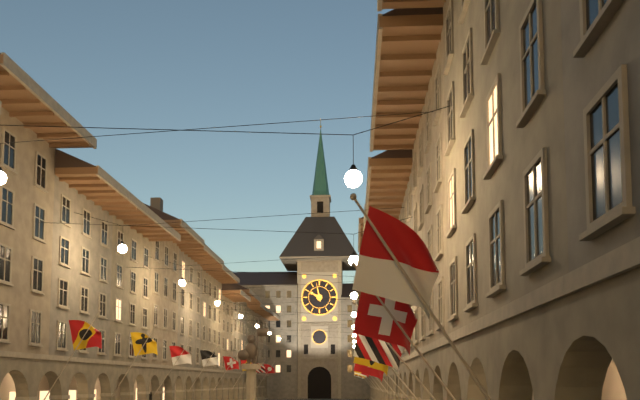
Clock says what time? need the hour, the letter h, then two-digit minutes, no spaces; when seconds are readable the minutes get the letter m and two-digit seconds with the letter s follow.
9h58
